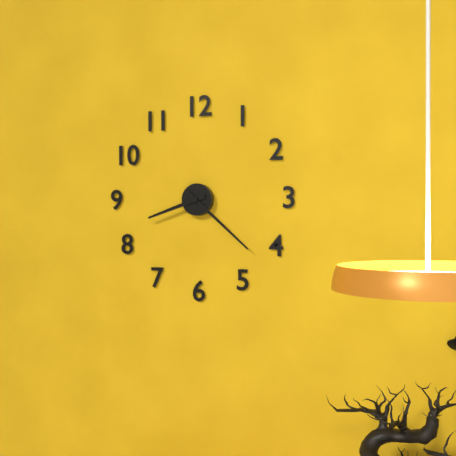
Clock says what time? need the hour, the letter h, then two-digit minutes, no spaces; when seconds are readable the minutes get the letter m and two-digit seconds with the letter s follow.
8h22
